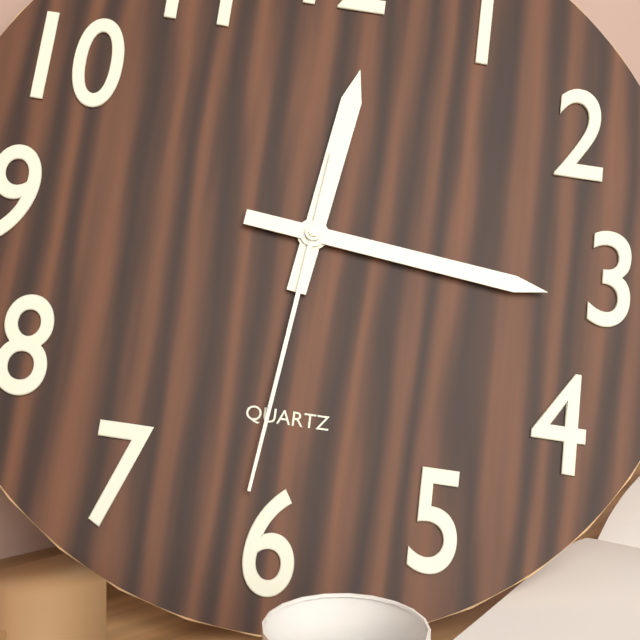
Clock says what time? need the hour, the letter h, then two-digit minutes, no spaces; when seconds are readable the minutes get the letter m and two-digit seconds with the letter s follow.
12h16m31s
